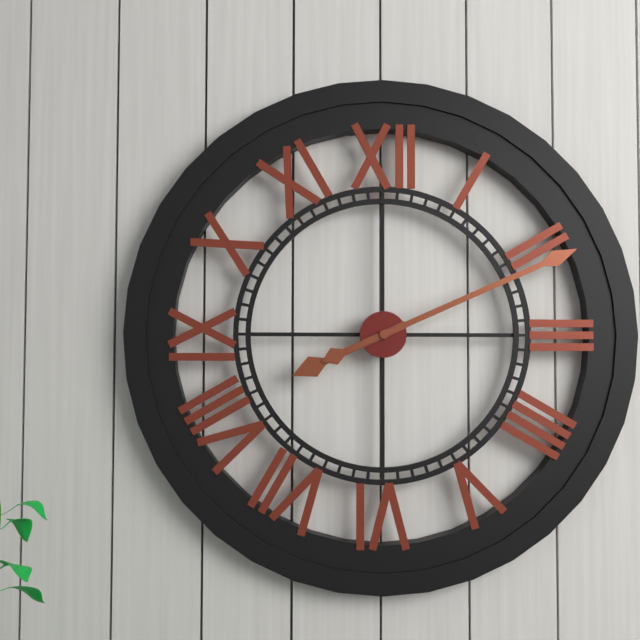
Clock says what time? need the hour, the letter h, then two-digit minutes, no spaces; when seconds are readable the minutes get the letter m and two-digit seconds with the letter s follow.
8h11
